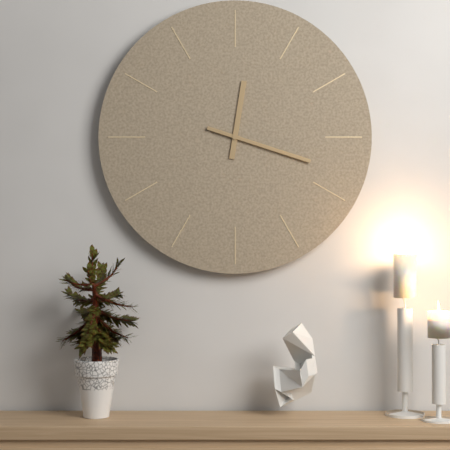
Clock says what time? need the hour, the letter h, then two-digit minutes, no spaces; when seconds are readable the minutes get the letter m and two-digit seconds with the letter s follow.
12h18
